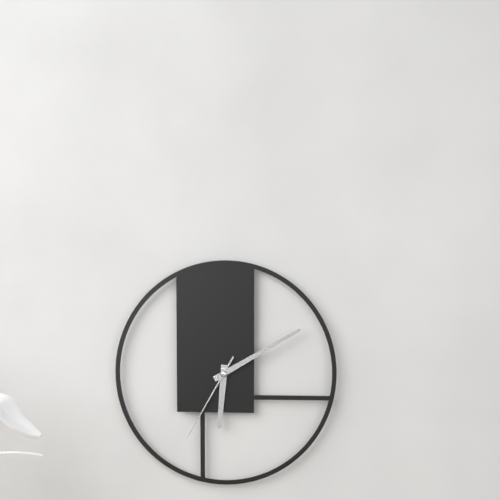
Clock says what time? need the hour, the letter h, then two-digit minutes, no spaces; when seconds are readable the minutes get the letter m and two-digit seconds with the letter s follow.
6h10m35s
